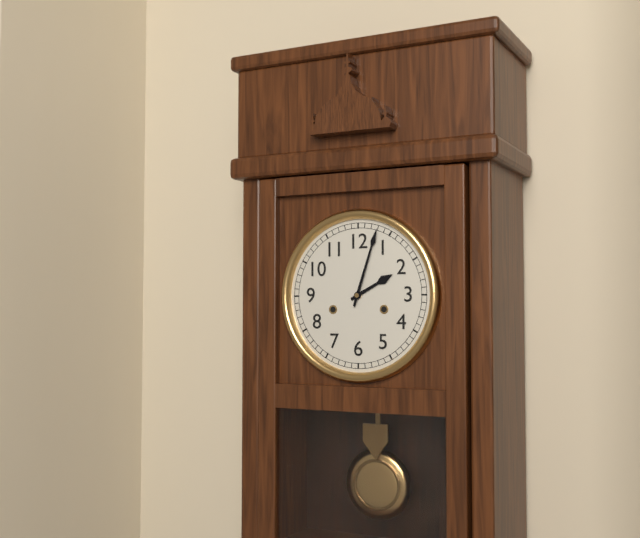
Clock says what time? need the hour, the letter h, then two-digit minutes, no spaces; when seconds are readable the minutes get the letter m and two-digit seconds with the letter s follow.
2h03
